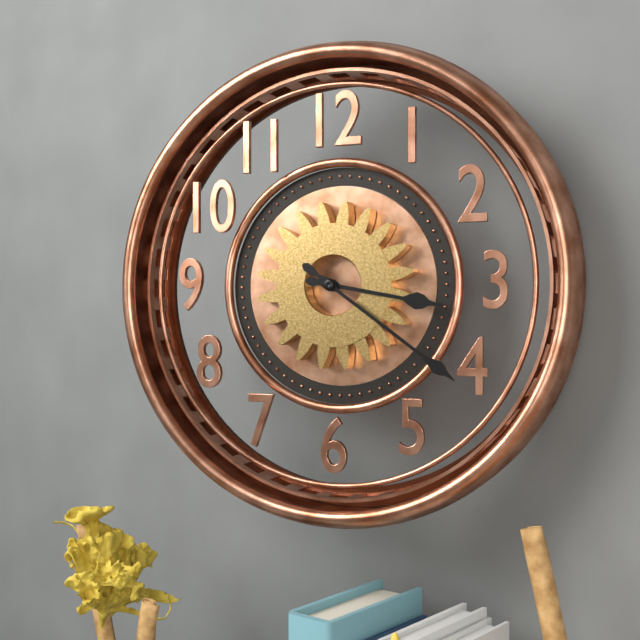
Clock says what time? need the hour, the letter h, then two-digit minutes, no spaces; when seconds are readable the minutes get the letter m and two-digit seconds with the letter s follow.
3h21
